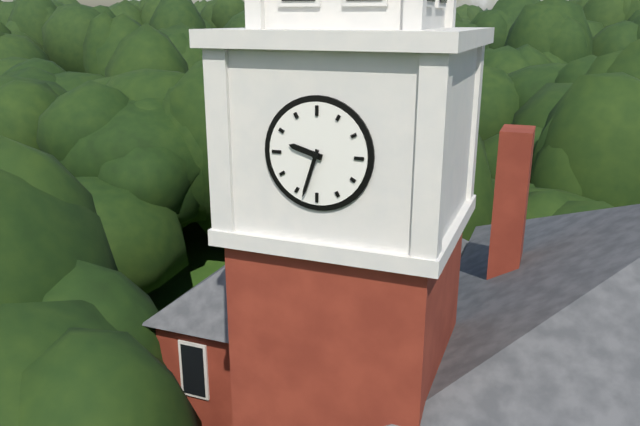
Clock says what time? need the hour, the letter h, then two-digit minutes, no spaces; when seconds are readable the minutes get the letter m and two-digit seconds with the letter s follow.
9h33
